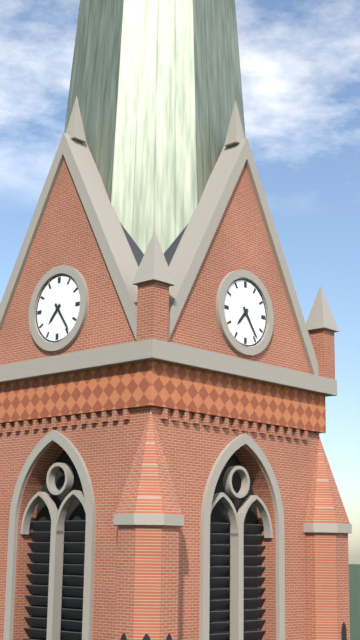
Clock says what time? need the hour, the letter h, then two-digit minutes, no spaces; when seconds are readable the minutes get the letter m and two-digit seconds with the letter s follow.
7h24
